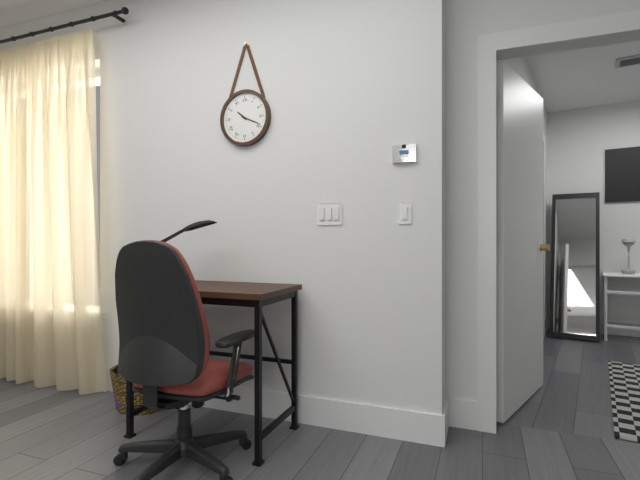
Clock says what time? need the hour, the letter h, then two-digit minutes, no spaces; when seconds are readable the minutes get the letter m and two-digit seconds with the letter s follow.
10h19
